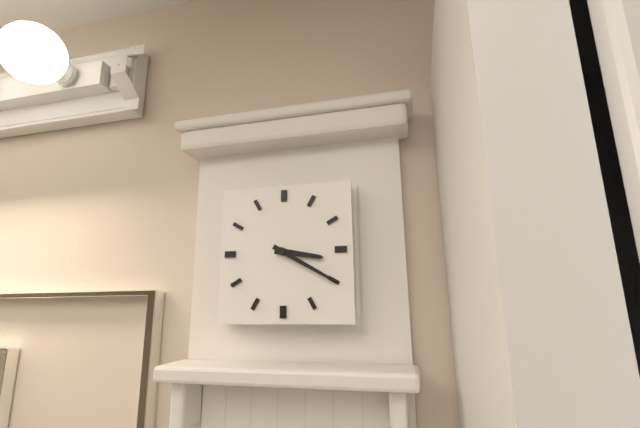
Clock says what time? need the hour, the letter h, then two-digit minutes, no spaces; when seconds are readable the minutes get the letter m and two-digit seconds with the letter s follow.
3h20
